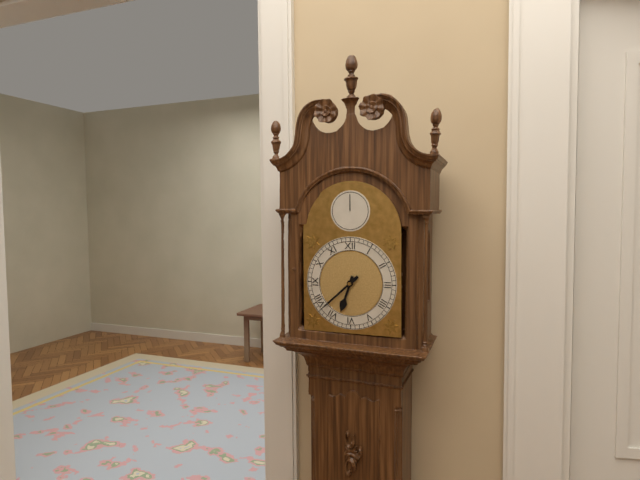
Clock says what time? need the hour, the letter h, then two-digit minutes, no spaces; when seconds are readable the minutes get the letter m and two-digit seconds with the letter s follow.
6h38
